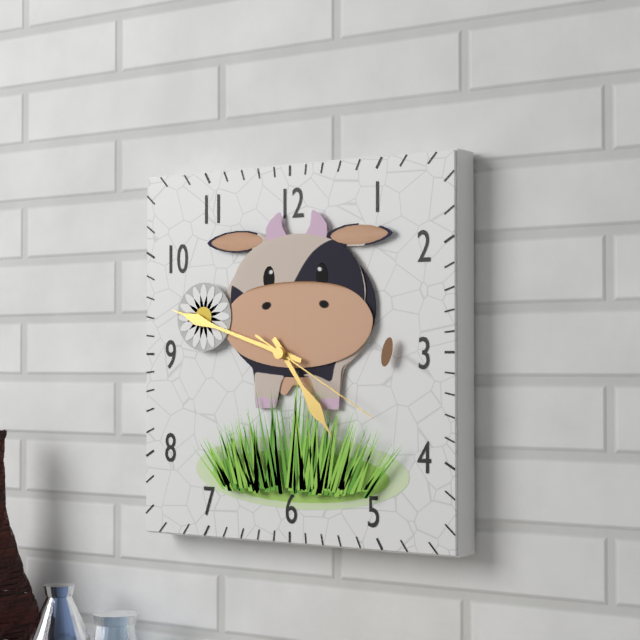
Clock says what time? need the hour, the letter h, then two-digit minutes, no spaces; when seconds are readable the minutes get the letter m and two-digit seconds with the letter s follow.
4h48m20s
